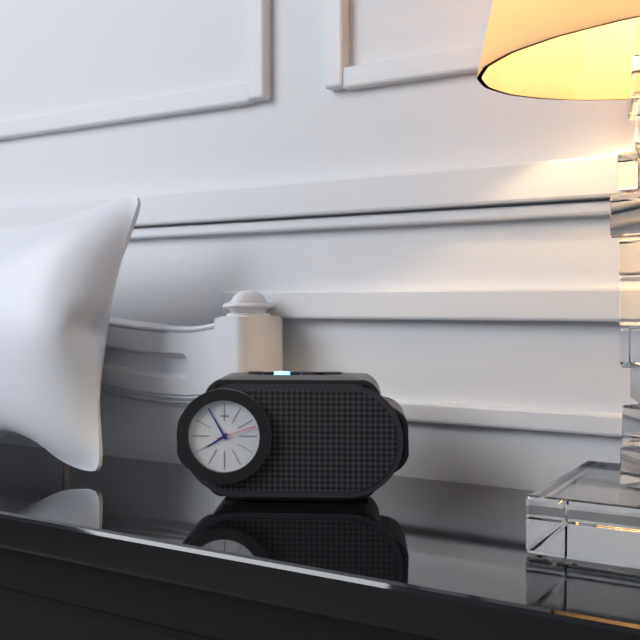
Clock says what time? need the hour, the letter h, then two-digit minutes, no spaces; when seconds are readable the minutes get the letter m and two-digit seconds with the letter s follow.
7h55
